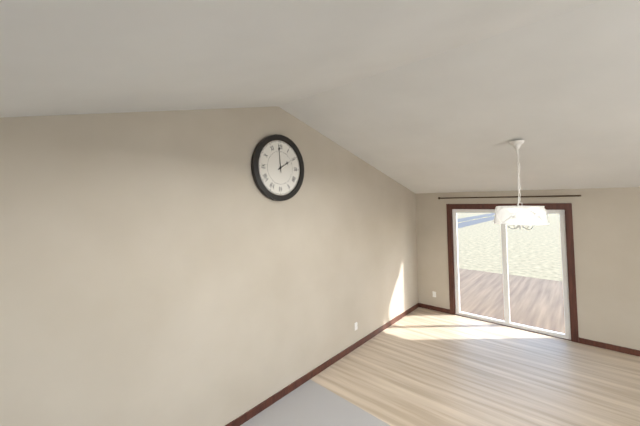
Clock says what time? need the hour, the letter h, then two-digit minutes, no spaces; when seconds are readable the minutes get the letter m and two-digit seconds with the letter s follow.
1h59
